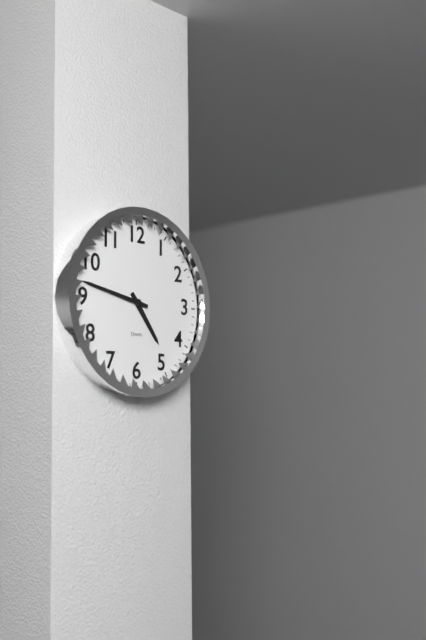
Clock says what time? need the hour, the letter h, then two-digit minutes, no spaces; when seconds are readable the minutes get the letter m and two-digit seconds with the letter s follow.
4h47
